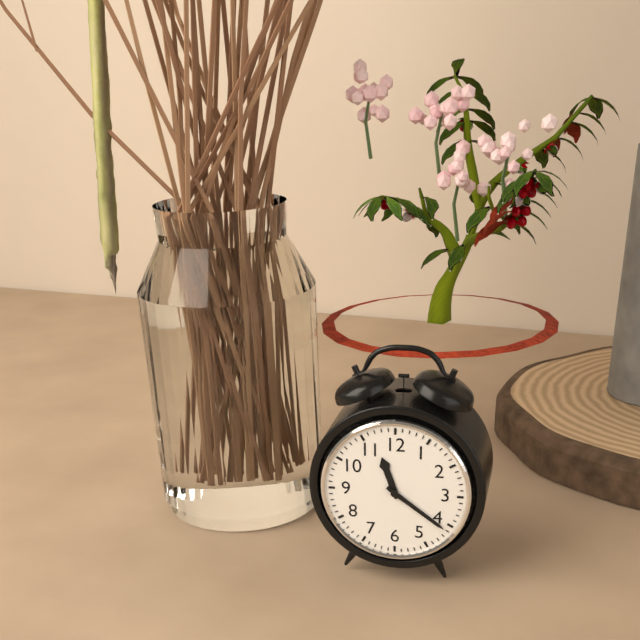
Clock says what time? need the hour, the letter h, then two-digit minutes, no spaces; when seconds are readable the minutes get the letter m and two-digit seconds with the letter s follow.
11h21
